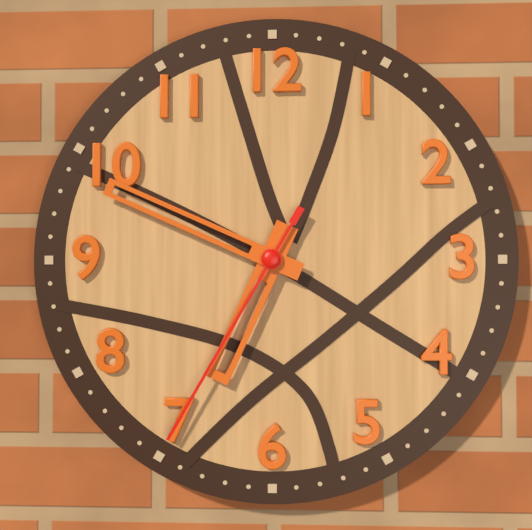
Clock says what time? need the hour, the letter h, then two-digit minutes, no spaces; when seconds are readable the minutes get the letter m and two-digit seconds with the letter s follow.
6h49m35s
